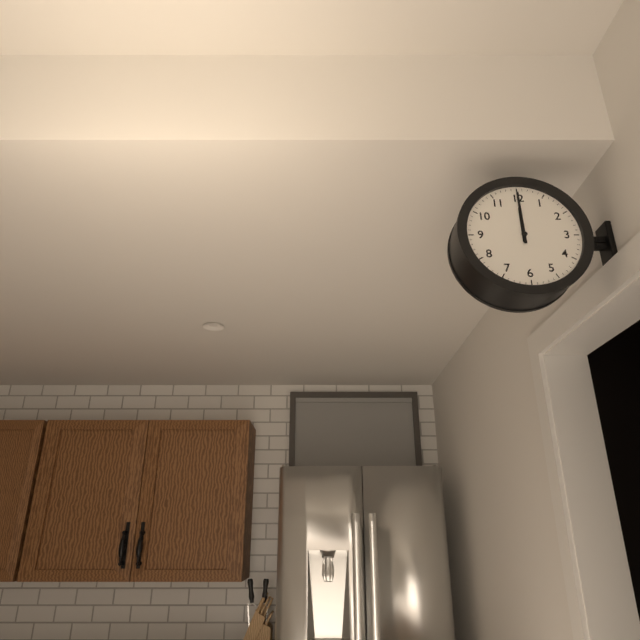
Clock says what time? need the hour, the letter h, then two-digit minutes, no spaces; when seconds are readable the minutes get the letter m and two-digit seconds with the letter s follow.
12h00
